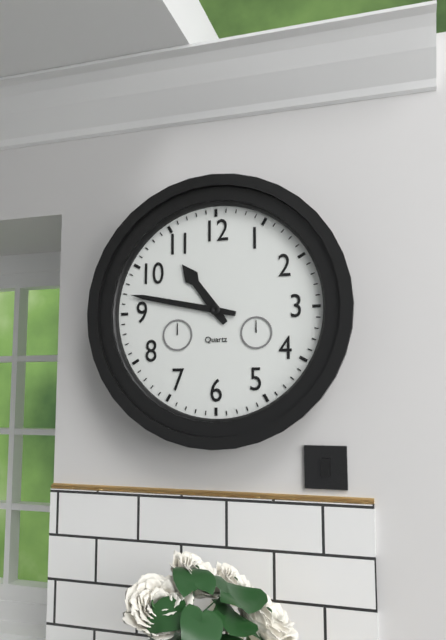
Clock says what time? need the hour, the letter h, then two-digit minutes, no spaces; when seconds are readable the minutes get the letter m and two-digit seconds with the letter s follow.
10h47
